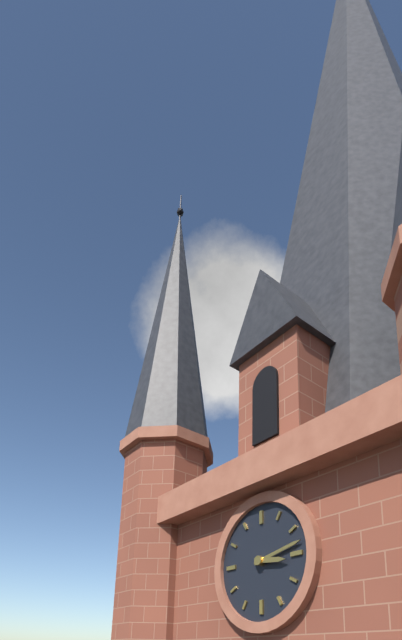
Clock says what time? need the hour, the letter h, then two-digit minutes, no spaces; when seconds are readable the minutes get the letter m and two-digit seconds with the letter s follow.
3h13
